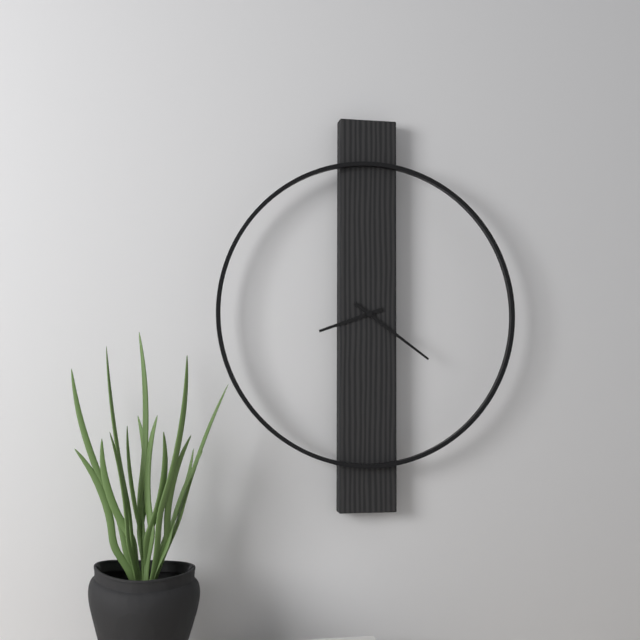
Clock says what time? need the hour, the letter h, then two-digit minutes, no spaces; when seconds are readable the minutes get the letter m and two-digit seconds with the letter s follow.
8h21
